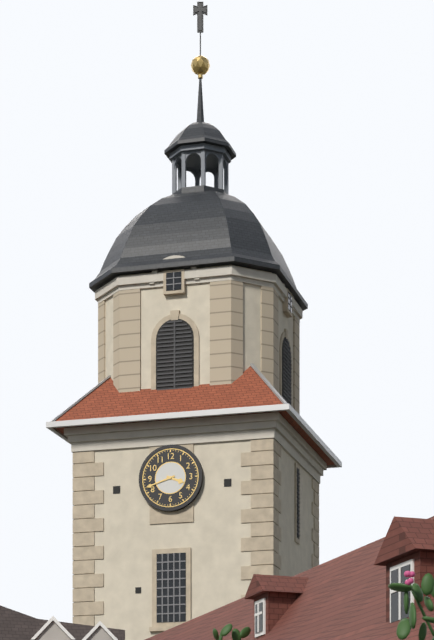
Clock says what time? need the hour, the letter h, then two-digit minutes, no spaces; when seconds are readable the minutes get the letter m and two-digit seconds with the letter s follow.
3h42
